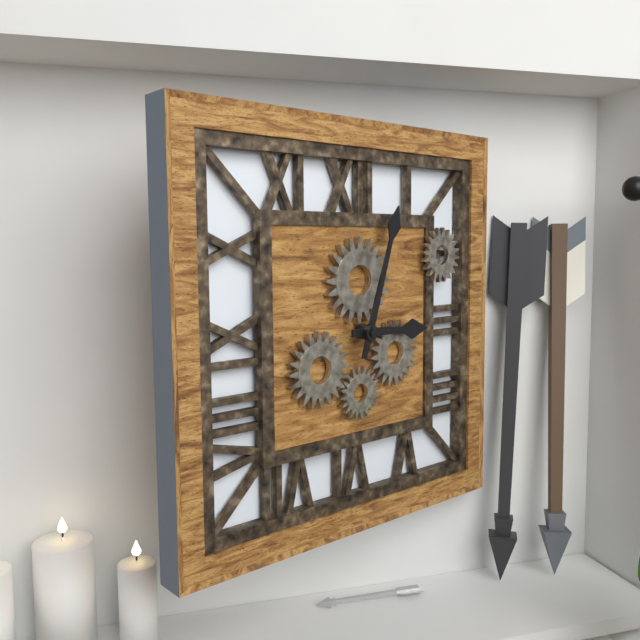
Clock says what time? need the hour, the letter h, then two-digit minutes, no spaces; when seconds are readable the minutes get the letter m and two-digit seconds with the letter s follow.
3h03
